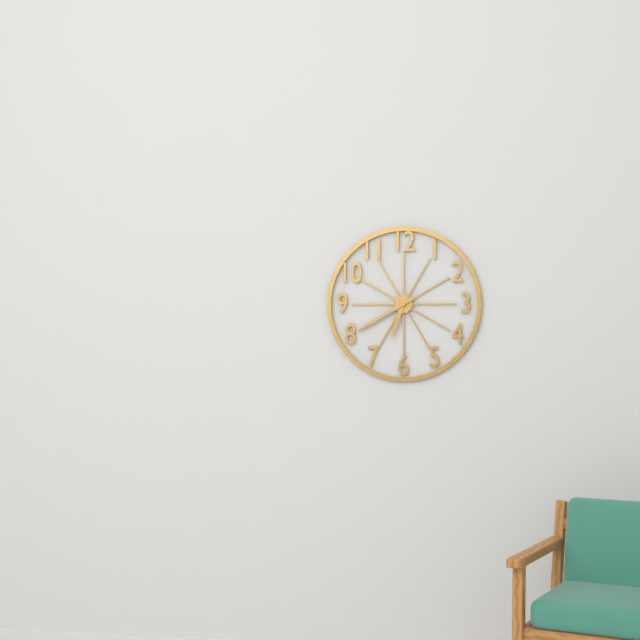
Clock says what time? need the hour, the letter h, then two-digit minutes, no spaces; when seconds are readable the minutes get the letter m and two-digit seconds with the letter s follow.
6h40
